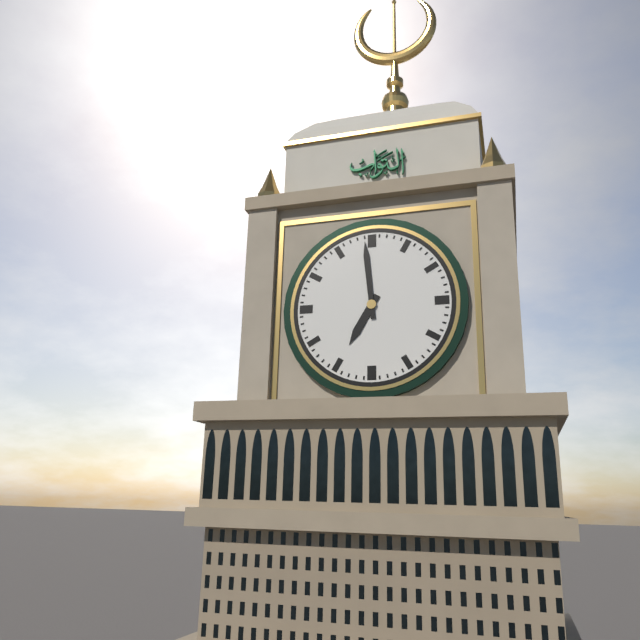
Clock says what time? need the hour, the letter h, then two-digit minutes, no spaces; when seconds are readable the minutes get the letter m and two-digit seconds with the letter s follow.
6h59
